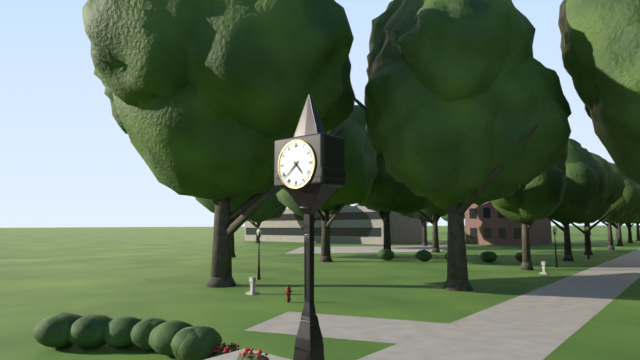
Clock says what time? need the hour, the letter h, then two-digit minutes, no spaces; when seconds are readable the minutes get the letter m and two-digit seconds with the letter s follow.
4h38
